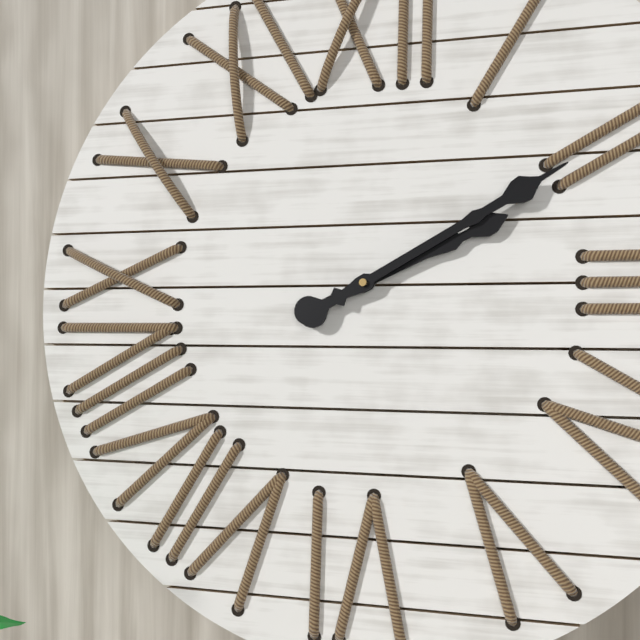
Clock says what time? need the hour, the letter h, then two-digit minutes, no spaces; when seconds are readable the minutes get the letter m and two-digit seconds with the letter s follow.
2h10
